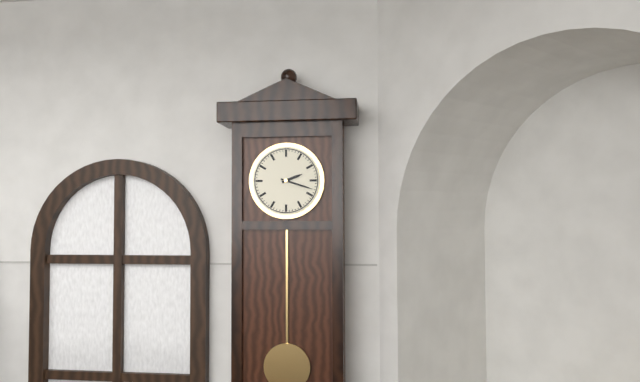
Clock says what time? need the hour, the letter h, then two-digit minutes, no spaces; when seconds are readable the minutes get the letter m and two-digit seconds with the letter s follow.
2h18
